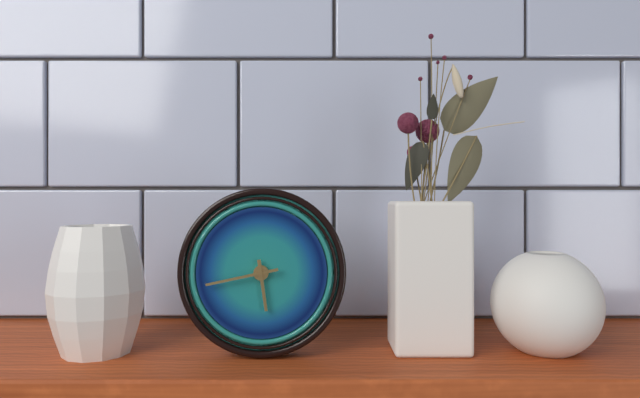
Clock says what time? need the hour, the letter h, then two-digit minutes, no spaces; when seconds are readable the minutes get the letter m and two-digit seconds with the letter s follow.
5h43
